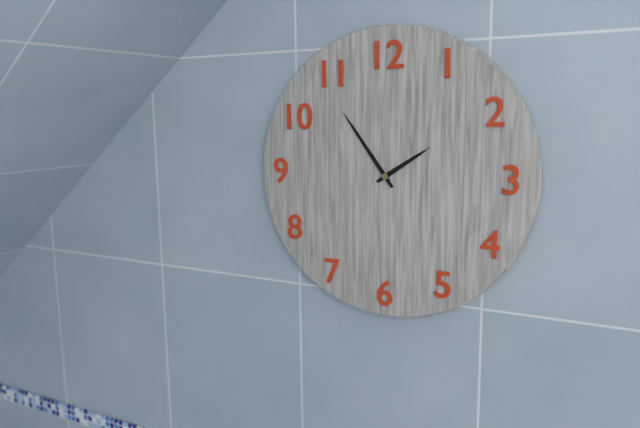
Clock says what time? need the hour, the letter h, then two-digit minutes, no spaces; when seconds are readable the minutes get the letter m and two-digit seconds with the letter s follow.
1h54
